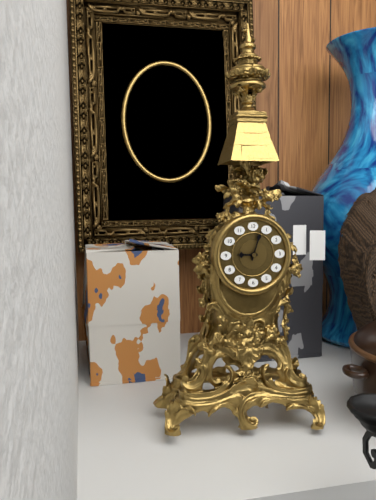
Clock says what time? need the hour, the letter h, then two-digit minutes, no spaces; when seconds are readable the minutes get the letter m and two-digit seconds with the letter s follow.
9h03
